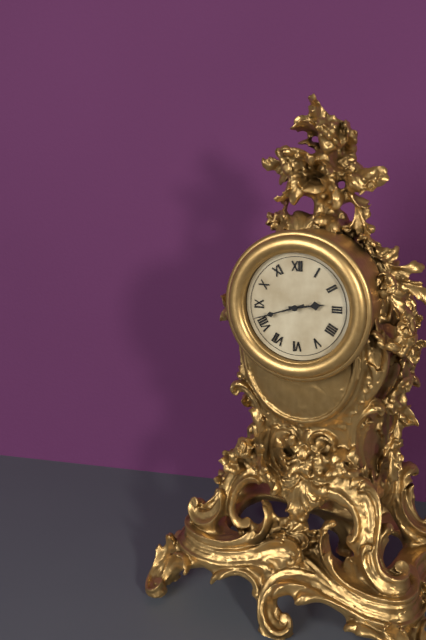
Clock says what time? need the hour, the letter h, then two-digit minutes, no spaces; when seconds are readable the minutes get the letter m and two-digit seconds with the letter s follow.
2h42
